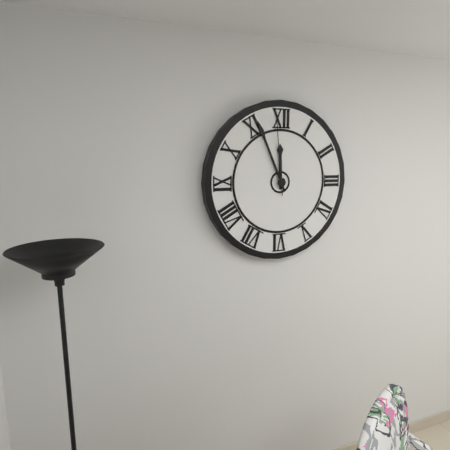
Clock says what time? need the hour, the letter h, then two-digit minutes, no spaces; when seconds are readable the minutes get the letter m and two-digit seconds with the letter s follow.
11h56m59s
